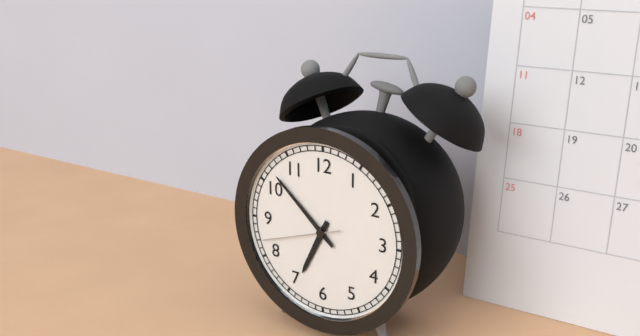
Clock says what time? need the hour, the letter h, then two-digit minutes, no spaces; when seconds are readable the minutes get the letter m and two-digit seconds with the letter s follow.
6h52m42s
